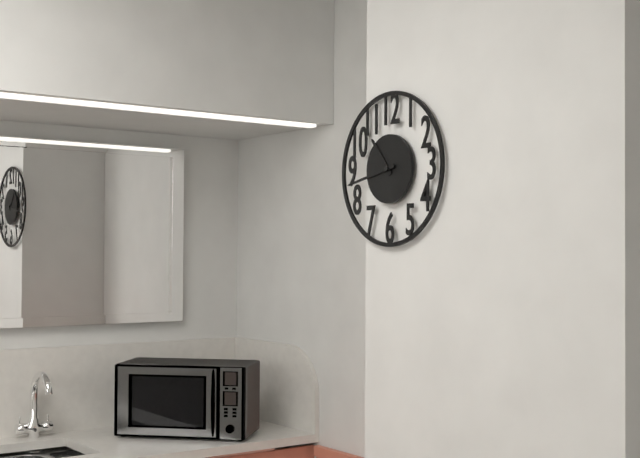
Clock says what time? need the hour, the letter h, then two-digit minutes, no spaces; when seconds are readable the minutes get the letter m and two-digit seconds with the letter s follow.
10h43
